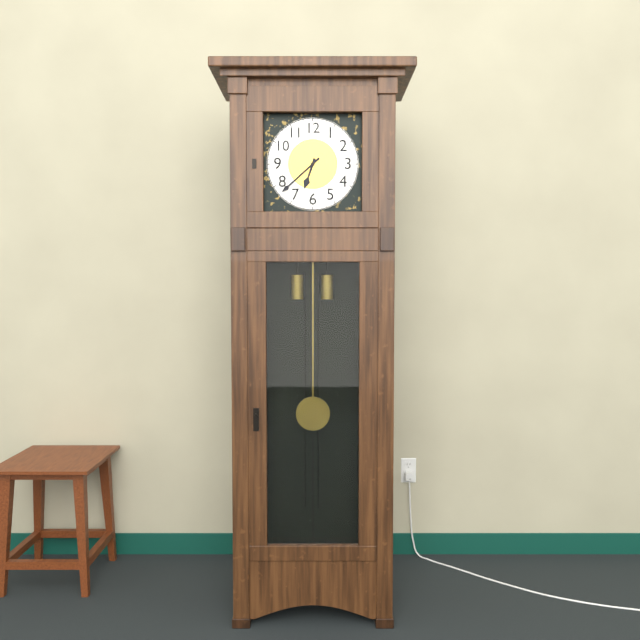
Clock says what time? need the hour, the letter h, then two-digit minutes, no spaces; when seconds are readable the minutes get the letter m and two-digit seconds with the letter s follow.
6h38
